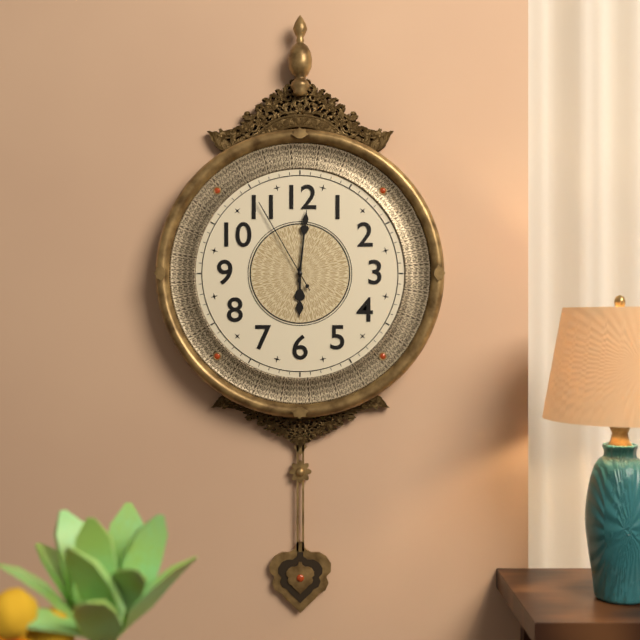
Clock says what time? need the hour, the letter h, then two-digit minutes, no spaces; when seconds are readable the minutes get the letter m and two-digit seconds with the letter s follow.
6h01m55s
